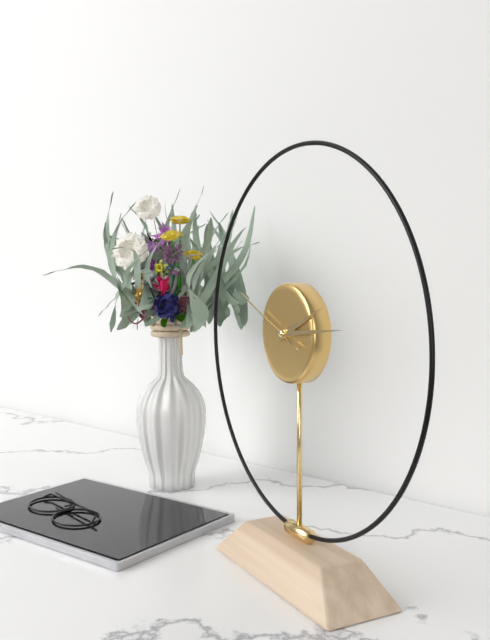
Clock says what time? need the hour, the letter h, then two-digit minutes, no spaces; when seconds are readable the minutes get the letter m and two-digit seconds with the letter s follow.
2h14m49s
